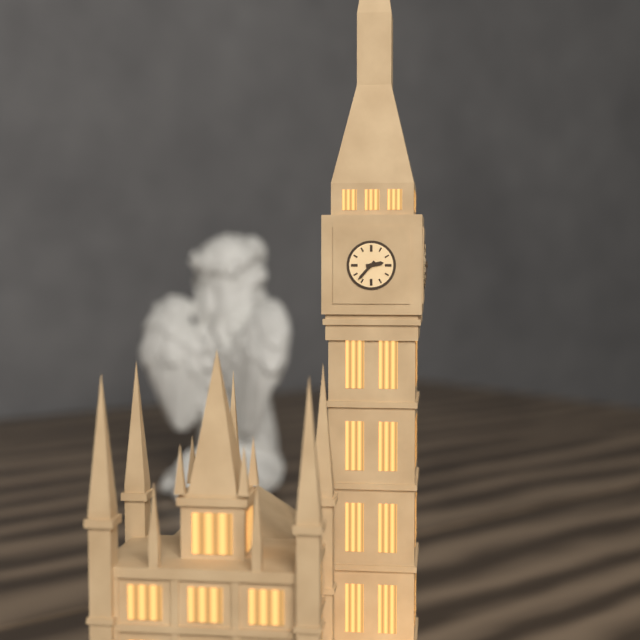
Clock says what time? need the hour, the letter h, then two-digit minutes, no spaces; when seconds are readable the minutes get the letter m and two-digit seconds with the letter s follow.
2h37
